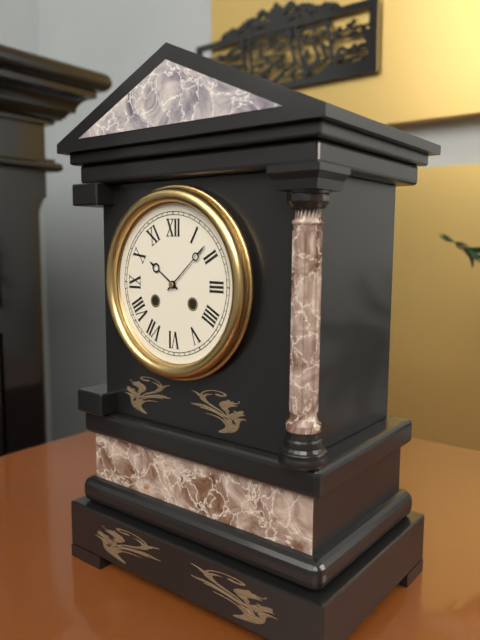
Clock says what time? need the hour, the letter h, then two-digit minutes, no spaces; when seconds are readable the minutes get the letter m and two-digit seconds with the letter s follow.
10h08
